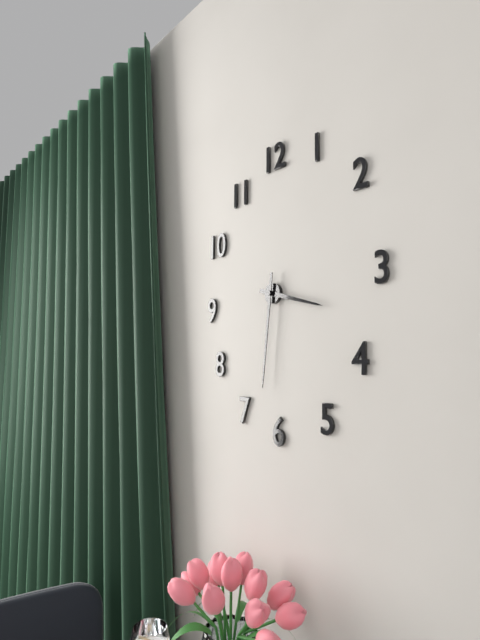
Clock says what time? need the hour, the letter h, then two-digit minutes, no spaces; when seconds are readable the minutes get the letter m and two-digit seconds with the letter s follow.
3h31
